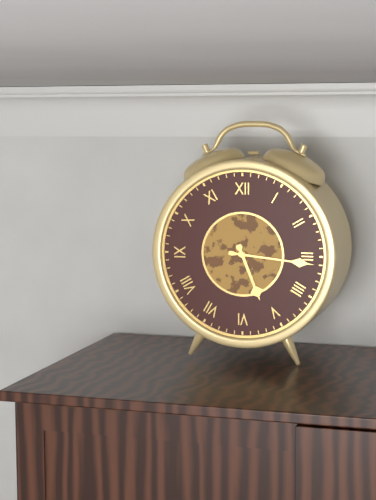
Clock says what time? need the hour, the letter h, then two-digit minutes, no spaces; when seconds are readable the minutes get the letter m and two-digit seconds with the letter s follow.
5h16
